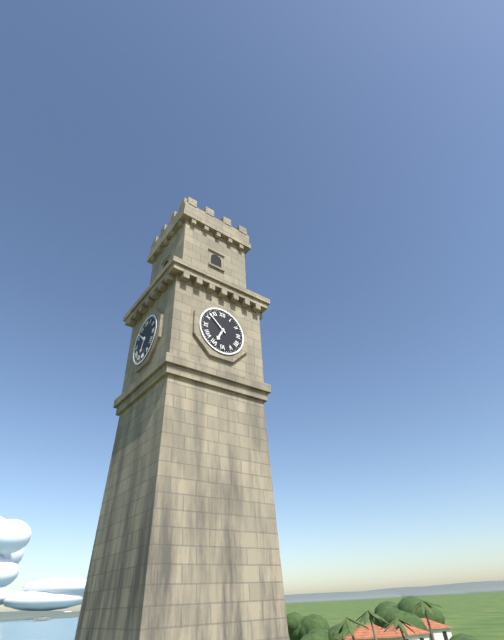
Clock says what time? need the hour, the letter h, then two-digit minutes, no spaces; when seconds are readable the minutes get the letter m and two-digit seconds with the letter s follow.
6h52
